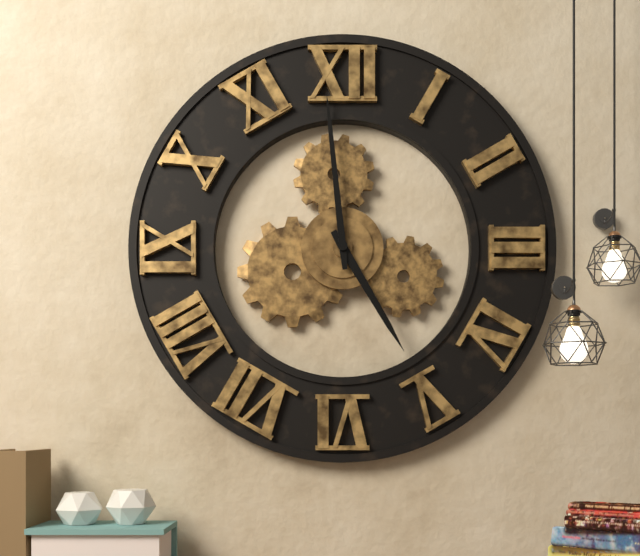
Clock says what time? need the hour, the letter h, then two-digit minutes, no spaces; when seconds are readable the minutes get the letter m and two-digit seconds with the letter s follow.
4h59
